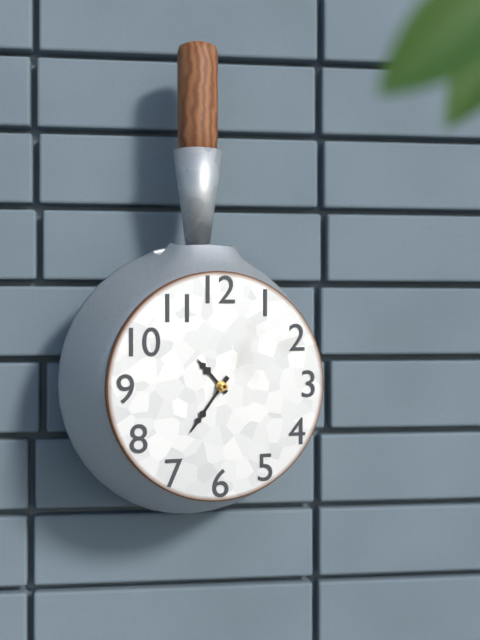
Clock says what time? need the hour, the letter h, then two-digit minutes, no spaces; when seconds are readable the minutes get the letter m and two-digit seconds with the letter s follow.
10h36
